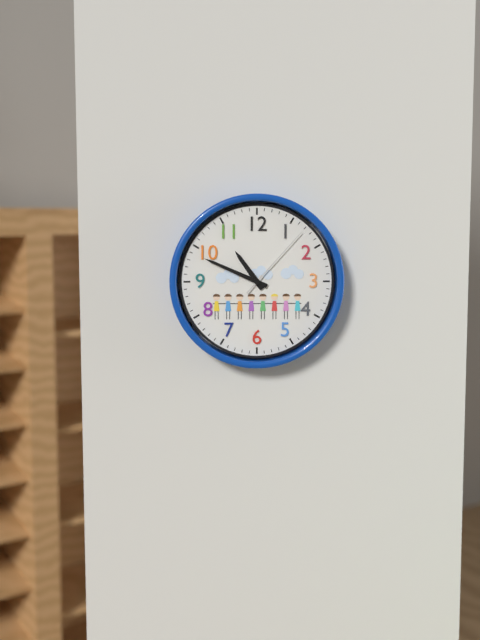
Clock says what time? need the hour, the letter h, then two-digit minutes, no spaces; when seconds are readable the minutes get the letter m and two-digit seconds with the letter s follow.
10h49m07s
